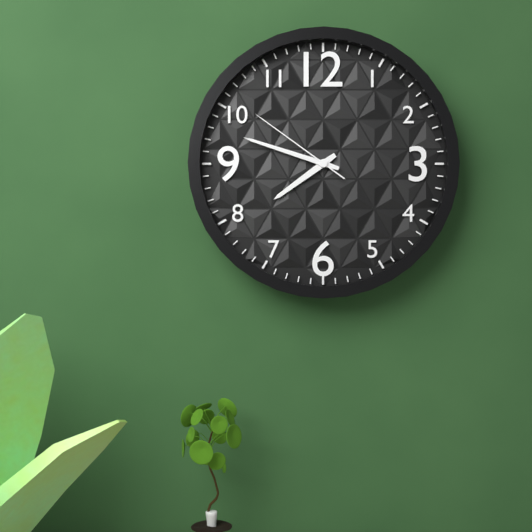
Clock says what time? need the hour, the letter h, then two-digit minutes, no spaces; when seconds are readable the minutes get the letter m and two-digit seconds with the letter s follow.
7h48m51s
